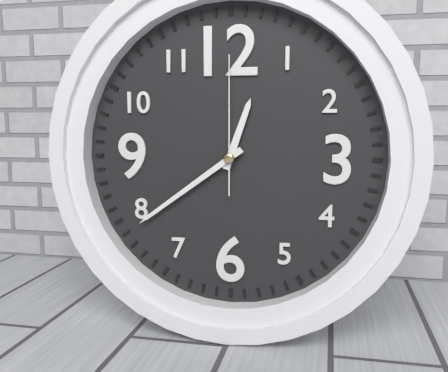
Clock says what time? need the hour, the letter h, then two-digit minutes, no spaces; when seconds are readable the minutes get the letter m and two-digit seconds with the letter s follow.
12h39m00s
